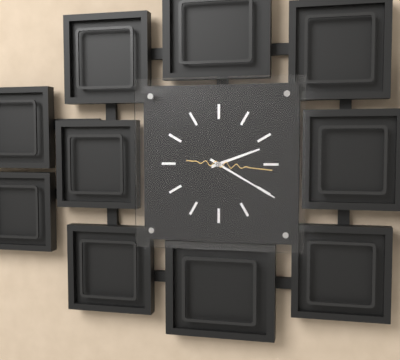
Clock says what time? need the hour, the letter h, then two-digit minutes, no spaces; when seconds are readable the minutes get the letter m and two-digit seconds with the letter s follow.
2h20m16s
